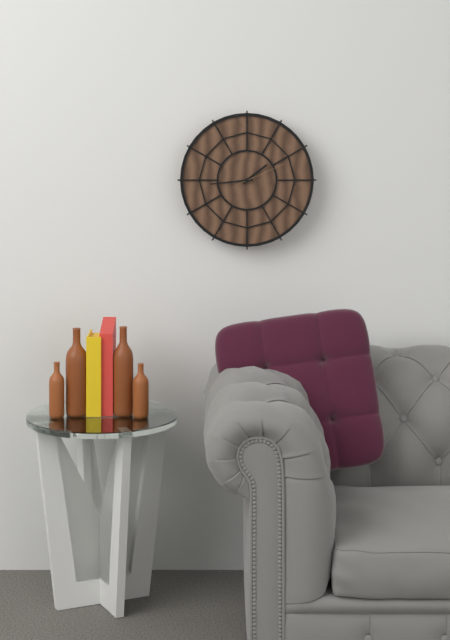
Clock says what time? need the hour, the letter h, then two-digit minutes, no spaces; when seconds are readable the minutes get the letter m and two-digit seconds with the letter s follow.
1h44m11s
